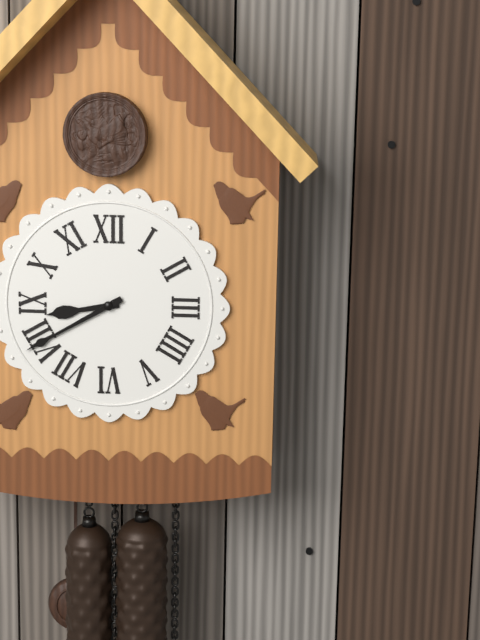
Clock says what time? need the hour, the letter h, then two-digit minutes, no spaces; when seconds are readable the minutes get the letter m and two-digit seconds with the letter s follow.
8h40
